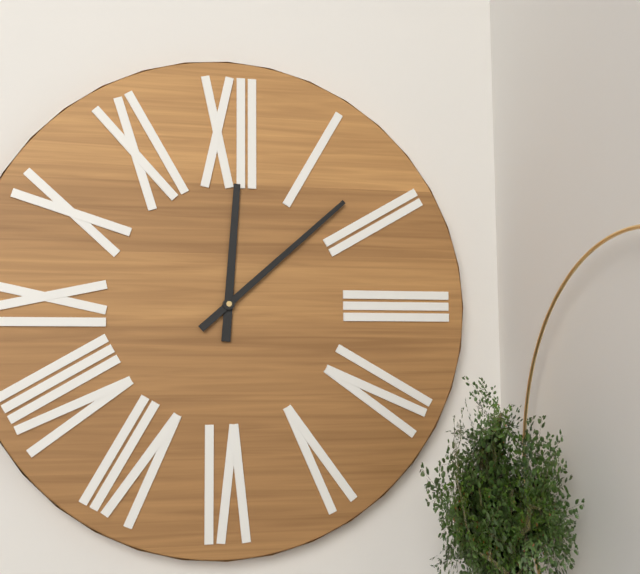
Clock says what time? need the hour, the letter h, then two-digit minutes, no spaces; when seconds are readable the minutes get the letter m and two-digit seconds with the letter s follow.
12h08
